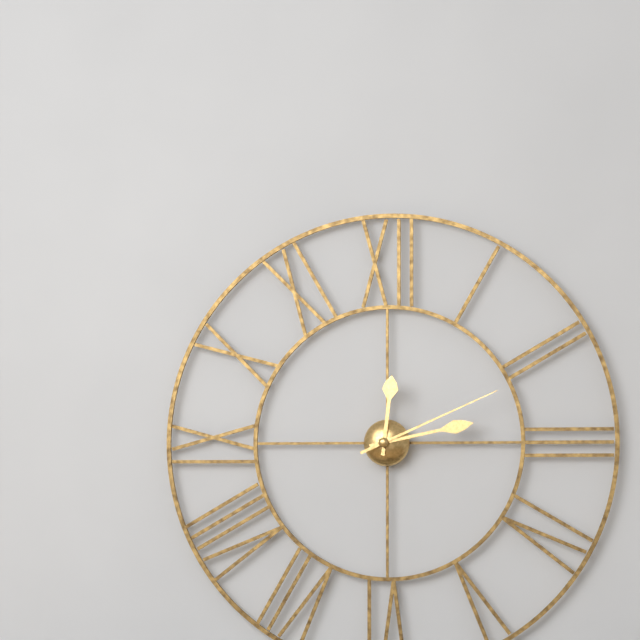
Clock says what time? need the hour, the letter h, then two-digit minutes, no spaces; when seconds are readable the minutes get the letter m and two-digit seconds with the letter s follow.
12h13m11s
